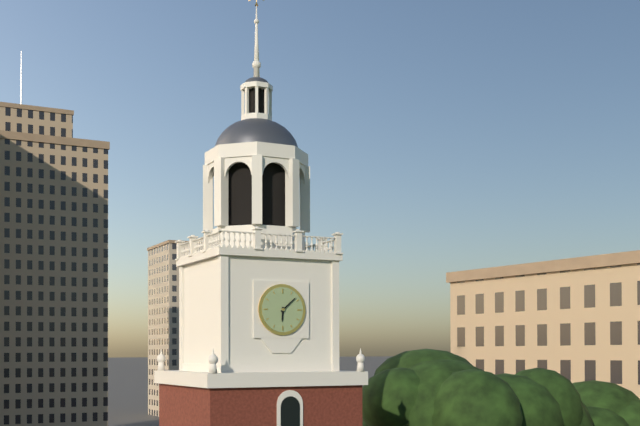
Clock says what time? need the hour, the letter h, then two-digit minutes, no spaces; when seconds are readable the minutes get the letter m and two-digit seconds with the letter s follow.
6h08
